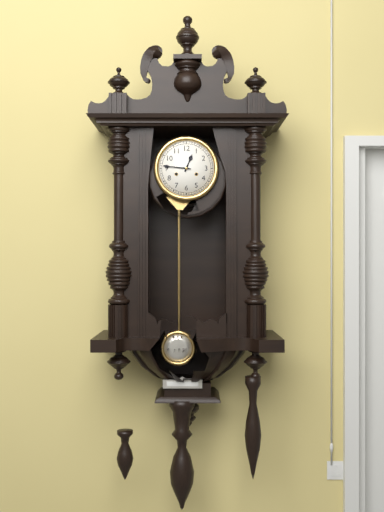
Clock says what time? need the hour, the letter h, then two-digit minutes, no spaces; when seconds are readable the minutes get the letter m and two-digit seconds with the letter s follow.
12h46
